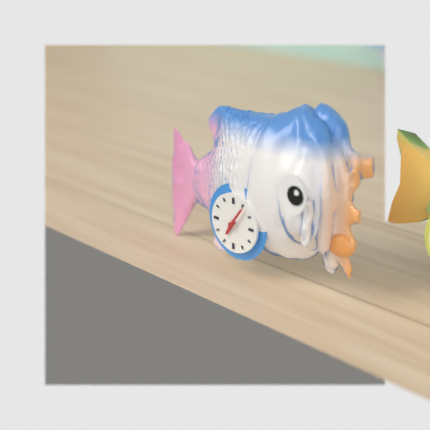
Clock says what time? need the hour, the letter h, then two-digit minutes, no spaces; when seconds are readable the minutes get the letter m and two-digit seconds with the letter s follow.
7h06
